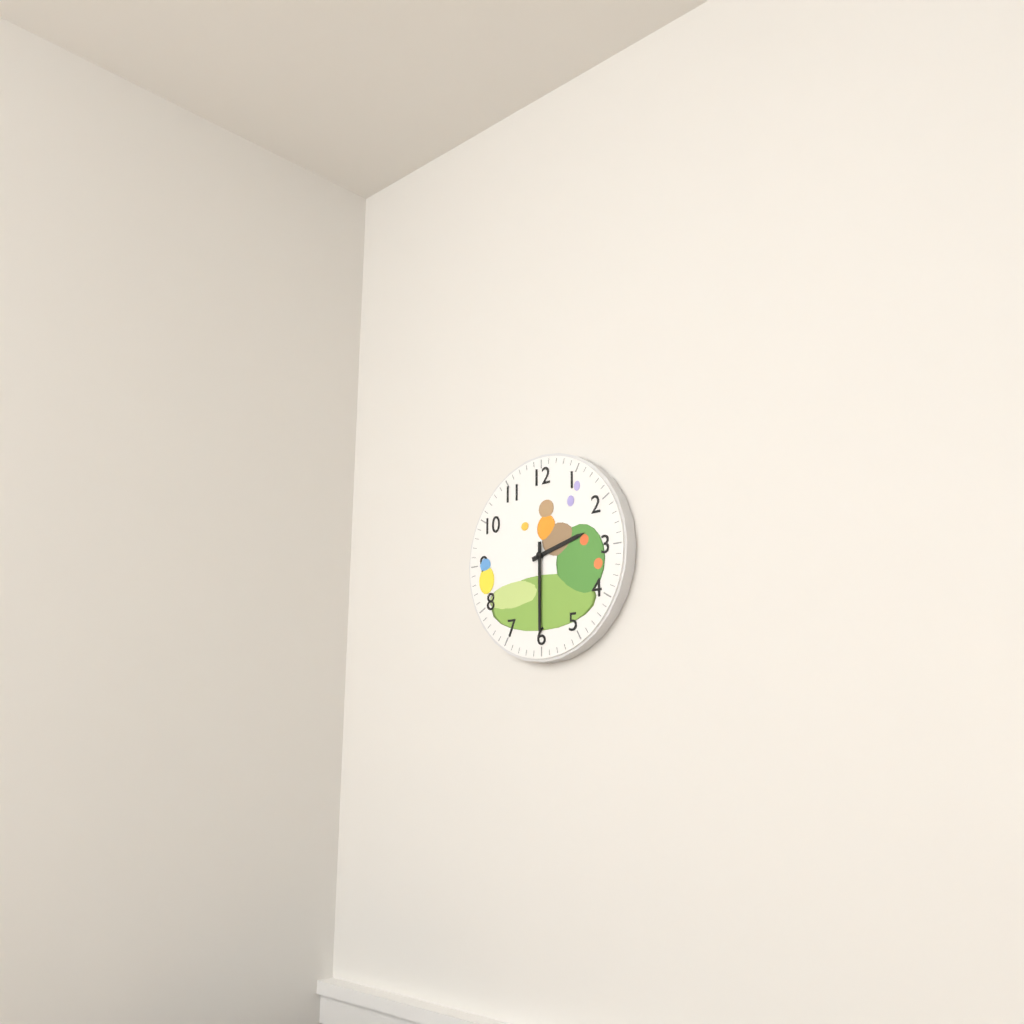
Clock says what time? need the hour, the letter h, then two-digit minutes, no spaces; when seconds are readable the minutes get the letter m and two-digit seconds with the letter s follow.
2h30
